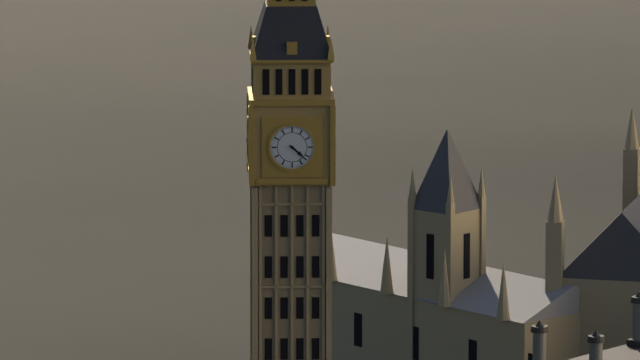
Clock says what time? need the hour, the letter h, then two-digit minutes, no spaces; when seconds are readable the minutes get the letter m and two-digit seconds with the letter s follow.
4h22
